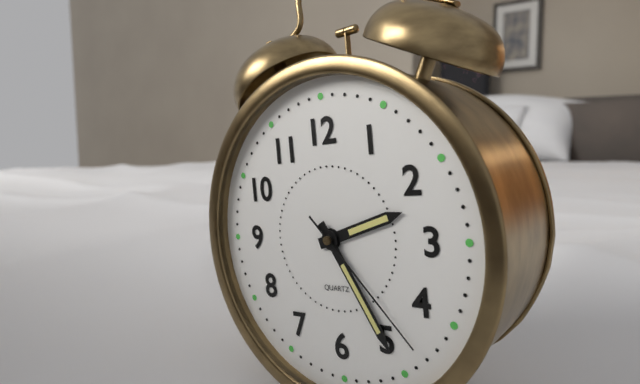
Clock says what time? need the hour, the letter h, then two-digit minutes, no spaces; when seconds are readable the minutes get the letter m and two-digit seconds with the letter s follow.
2h25m23s
